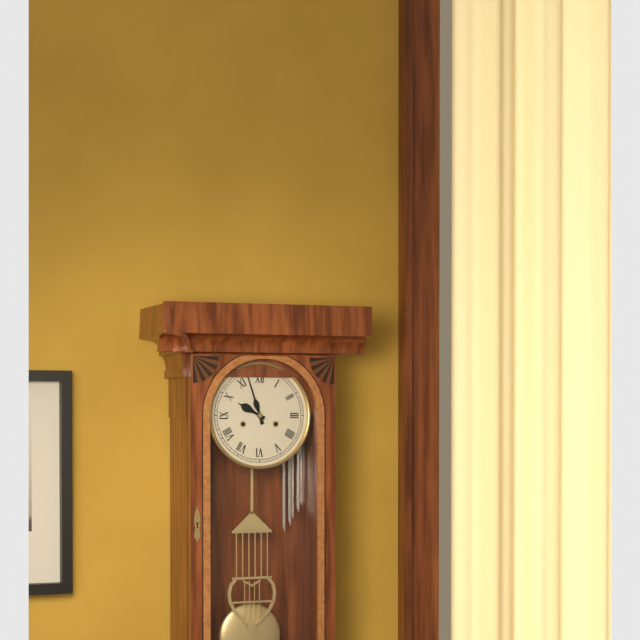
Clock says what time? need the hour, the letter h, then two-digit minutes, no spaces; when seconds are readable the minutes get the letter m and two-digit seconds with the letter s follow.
9h57
